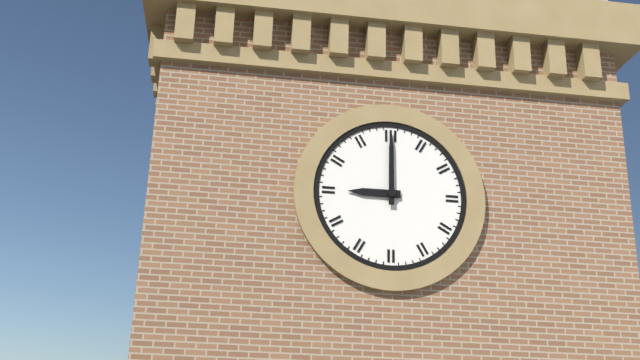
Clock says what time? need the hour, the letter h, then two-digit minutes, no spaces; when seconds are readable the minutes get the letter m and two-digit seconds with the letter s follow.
9h00
